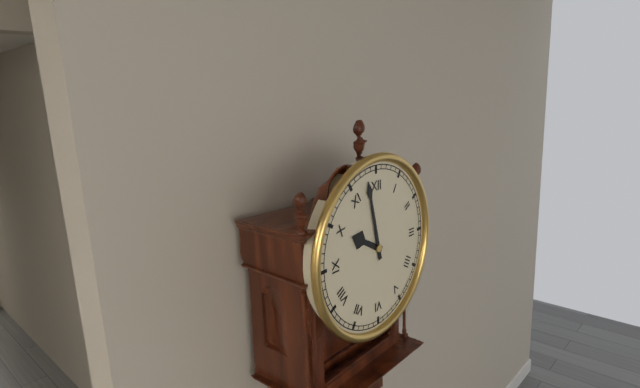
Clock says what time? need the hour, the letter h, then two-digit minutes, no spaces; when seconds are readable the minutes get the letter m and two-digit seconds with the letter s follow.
9h58
